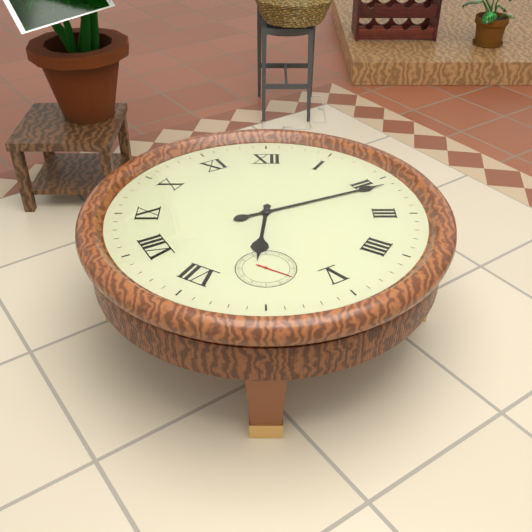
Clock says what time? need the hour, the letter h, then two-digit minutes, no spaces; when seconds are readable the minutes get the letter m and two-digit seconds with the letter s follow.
6h11
